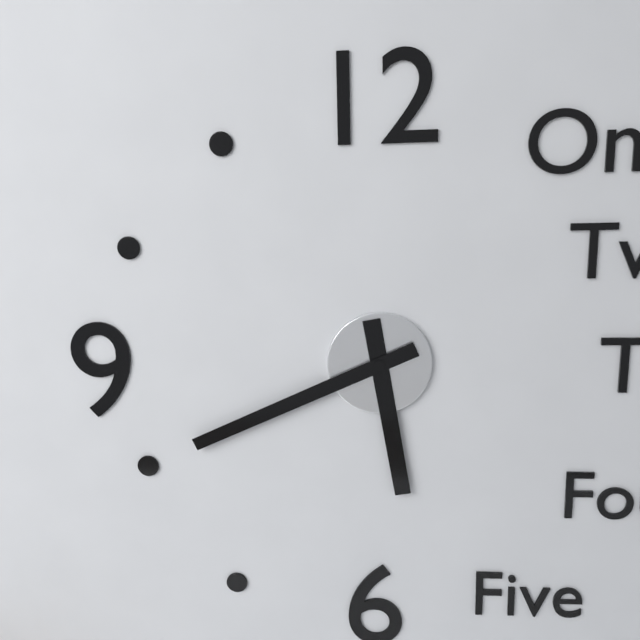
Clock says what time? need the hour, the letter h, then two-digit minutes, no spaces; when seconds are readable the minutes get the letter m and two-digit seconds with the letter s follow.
5h41
